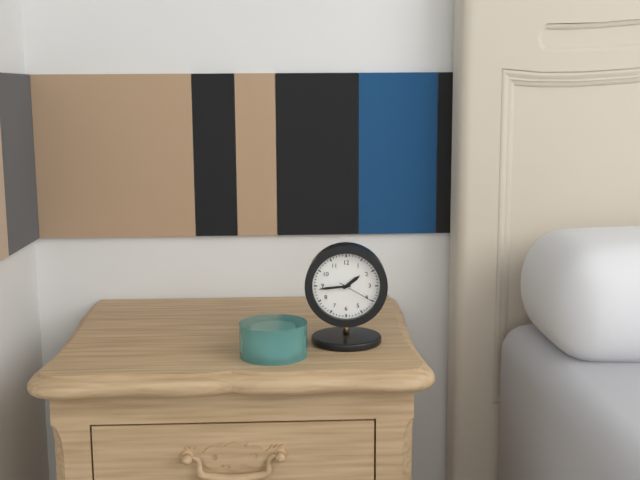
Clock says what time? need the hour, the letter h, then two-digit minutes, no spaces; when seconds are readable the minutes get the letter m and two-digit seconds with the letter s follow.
1h44
